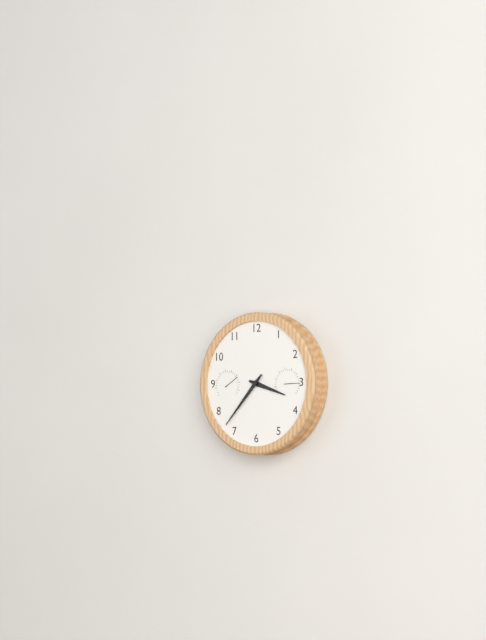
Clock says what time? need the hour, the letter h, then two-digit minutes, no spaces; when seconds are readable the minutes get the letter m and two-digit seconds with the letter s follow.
3h37
